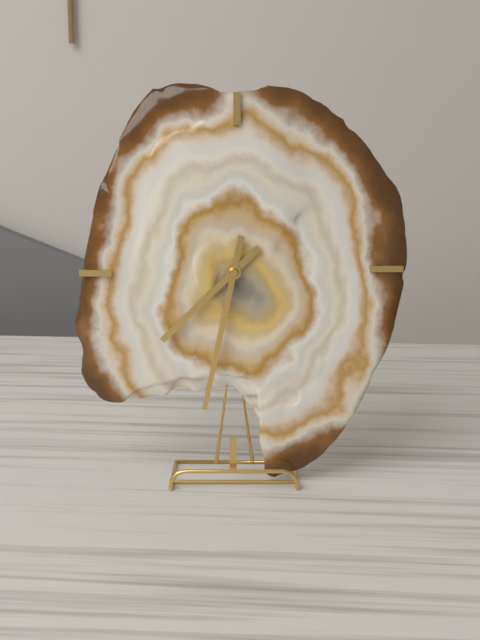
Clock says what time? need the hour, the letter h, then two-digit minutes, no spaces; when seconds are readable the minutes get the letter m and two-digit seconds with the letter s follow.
7h32
